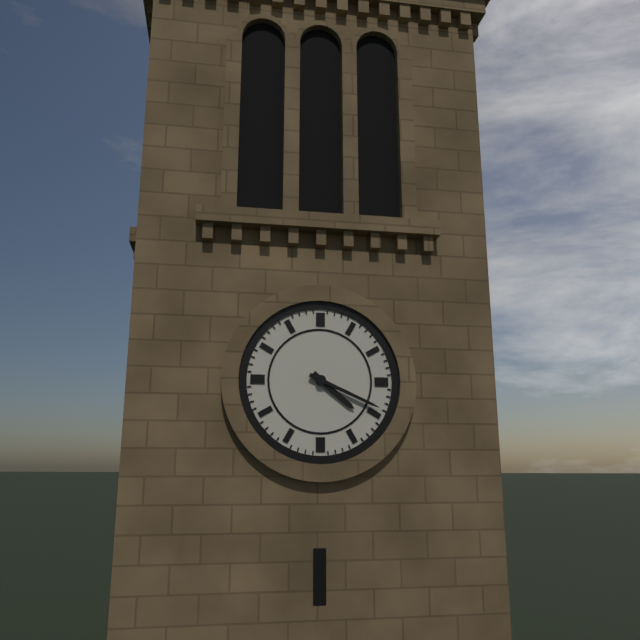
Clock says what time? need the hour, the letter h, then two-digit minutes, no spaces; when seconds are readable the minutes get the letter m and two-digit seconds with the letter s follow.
4h19
